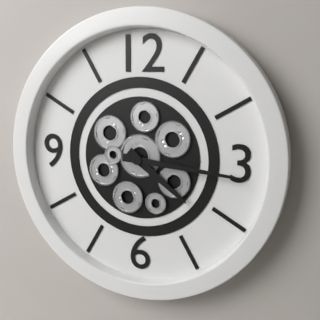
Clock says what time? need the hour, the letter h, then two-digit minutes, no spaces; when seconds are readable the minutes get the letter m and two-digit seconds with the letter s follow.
4h16
